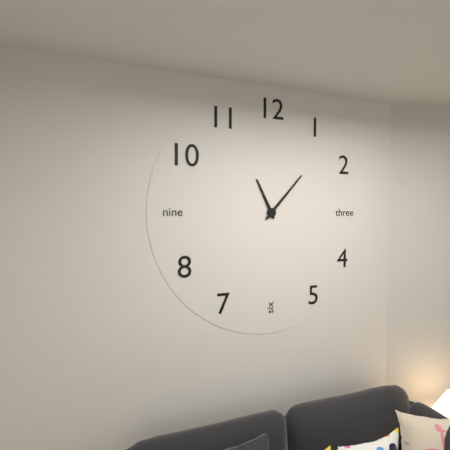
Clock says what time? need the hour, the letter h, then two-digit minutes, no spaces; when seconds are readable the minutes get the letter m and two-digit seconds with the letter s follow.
11h07
